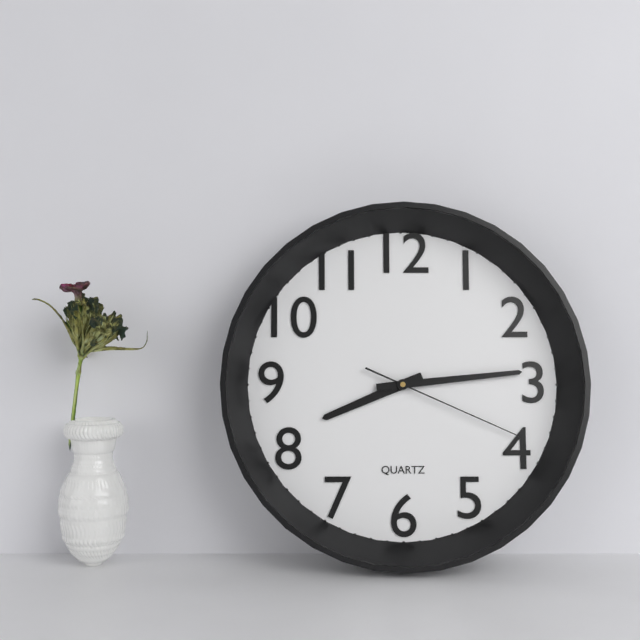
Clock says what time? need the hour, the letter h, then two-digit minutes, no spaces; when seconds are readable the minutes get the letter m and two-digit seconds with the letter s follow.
8h14m19s
